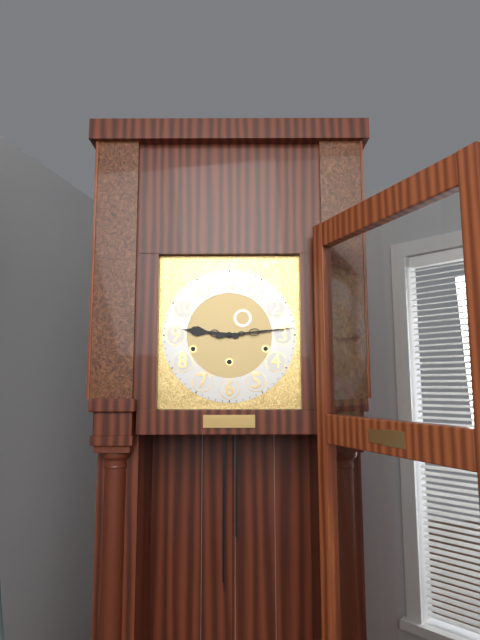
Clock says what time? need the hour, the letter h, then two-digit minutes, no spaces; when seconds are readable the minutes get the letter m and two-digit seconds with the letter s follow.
9h14
